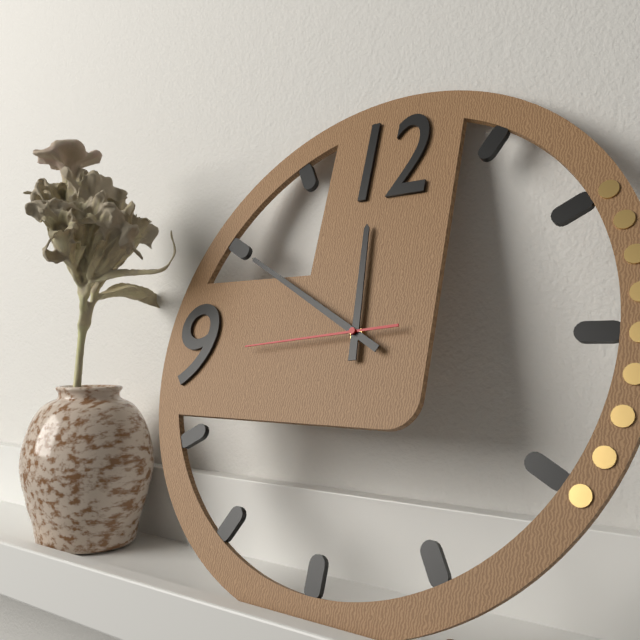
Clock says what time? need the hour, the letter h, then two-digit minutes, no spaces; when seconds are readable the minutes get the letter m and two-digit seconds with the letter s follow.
11h50m44s
